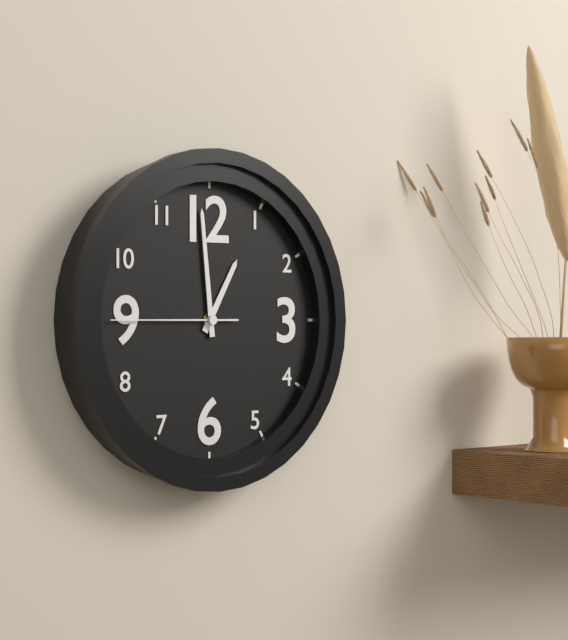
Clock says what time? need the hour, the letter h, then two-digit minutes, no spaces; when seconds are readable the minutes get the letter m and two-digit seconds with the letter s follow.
12h59m45s
